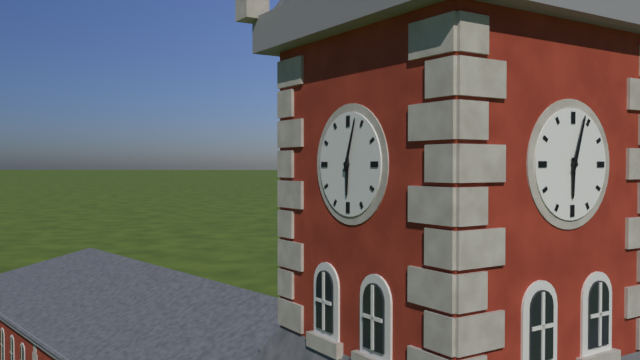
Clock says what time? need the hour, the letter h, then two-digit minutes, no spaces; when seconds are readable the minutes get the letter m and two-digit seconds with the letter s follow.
6h03
